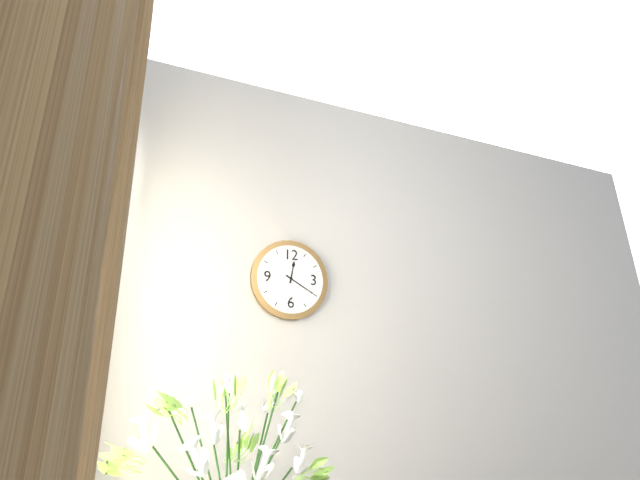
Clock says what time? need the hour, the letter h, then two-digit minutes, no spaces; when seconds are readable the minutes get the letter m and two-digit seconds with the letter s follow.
12h20
